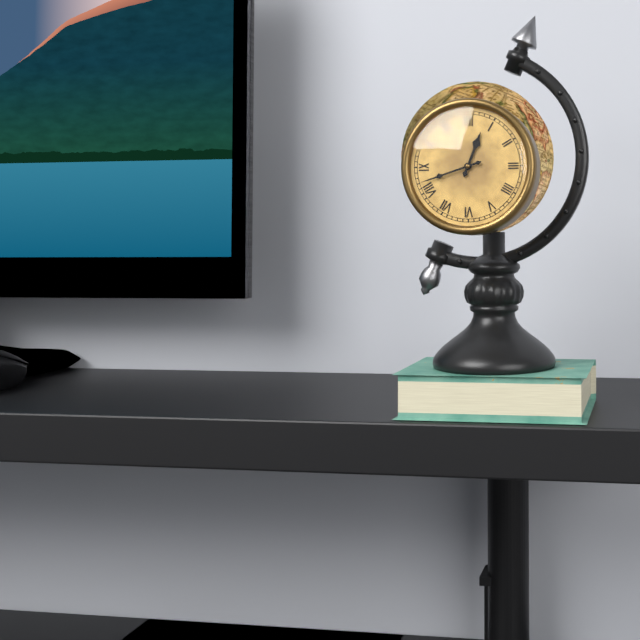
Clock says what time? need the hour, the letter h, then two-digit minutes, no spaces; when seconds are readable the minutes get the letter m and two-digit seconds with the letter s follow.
12h42
